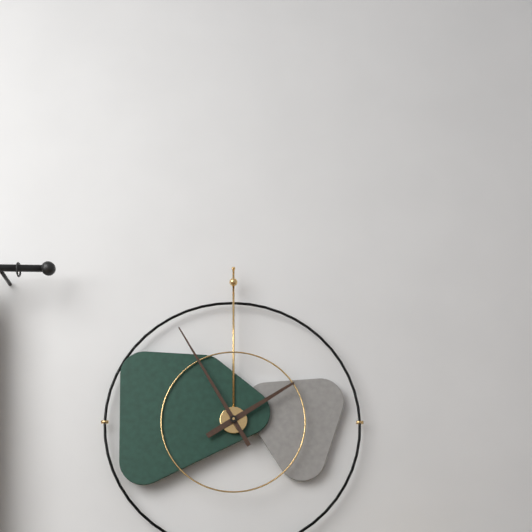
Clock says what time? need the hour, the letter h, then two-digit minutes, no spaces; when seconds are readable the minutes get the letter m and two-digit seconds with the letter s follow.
1h55
